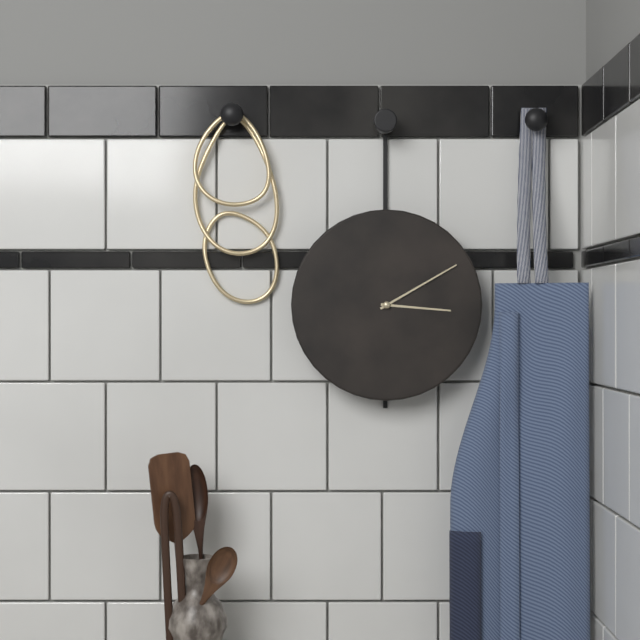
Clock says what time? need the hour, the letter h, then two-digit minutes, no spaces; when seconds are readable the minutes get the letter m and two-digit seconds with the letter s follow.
3h10
